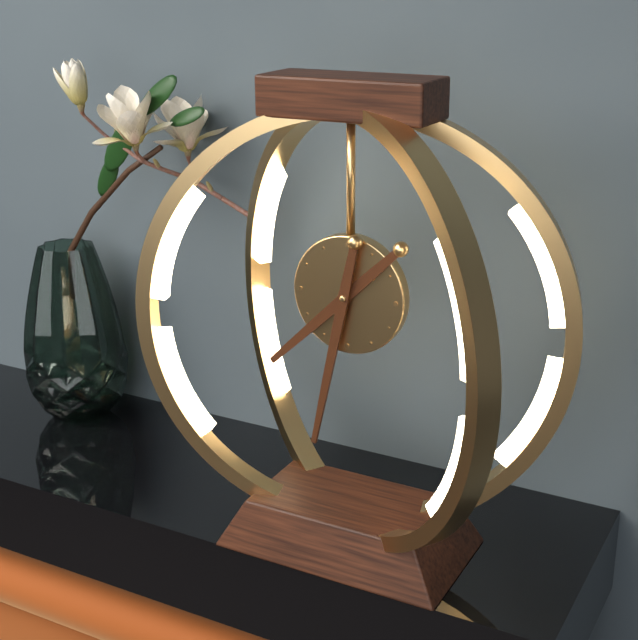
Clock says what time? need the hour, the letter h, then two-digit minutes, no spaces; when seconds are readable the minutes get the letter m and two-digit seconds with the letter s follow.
7h32
